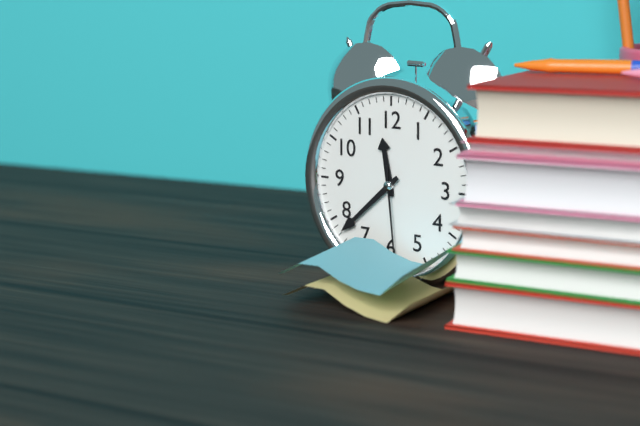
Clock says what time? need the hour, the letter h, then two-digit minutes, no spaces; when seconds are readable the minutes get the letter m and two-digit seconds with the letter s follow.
11h38m29s
